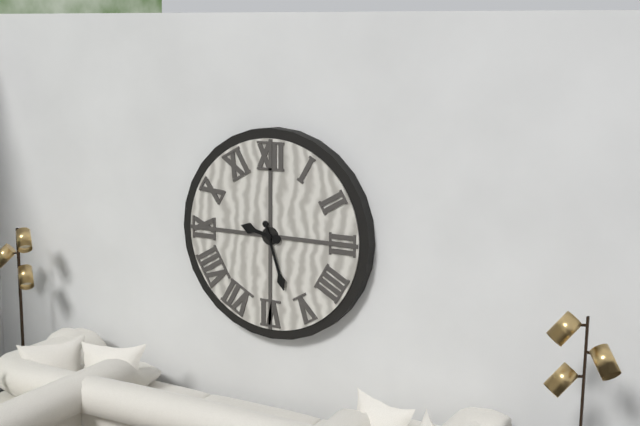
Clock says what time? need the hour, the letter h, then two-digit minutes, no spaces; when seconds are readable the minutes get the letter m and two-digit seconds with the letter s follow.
9h27
